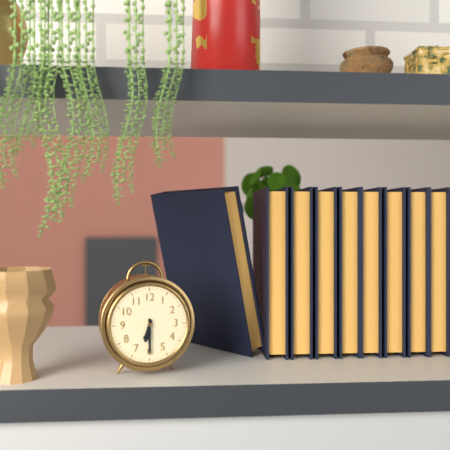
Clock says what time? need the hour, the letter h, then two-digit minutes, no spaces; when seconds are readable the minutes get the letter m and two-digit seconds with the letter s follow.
6h30
